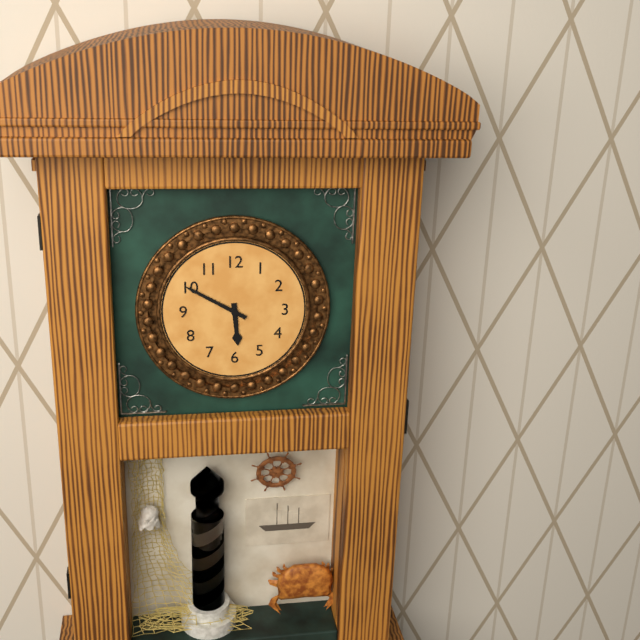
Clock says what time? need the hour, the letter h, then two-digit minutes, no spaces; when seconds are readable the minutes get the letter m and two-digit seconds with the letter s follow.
5h50
